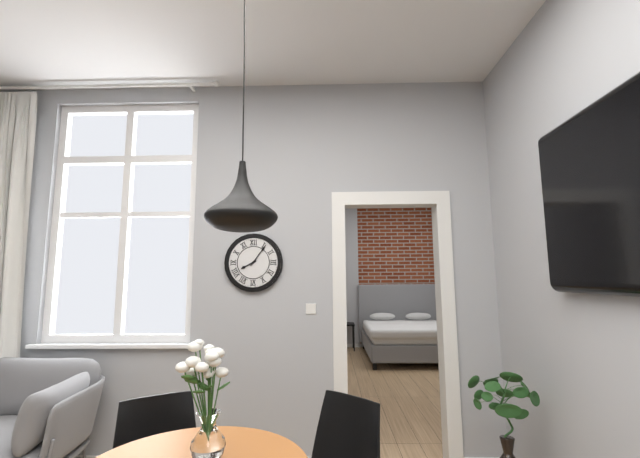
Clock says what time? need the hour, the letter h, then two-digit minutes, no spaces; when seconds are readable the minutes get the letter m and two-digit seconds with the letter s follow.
8h06
